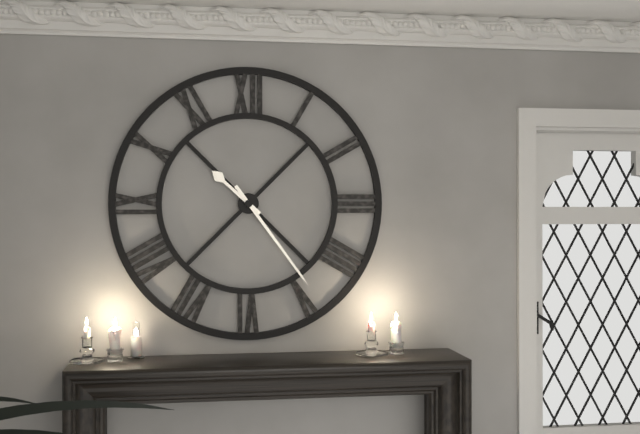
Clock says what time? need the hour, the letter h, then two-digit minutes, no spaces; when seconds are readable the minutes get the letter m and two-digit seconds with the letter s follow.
10h24
